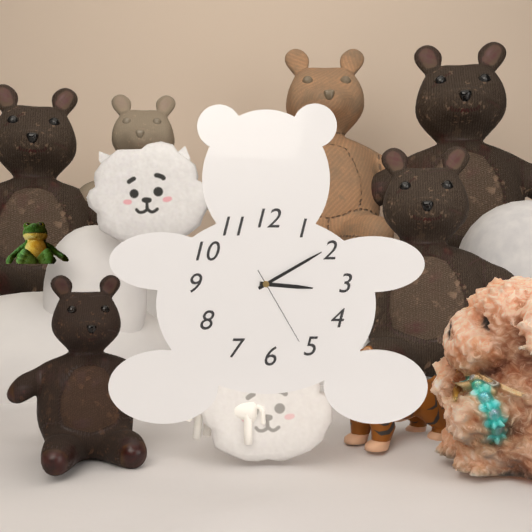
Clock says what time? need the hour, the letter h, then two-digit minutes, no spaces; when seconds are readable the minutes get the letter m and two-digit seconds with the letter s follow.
3h10m25s
